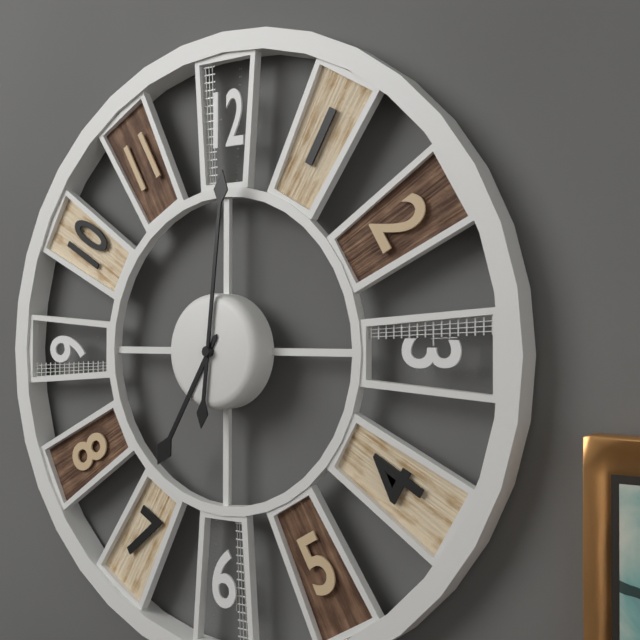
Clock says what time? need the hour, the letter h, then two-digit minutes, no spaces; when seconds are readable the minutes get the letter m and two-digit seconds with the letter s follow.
7h01
